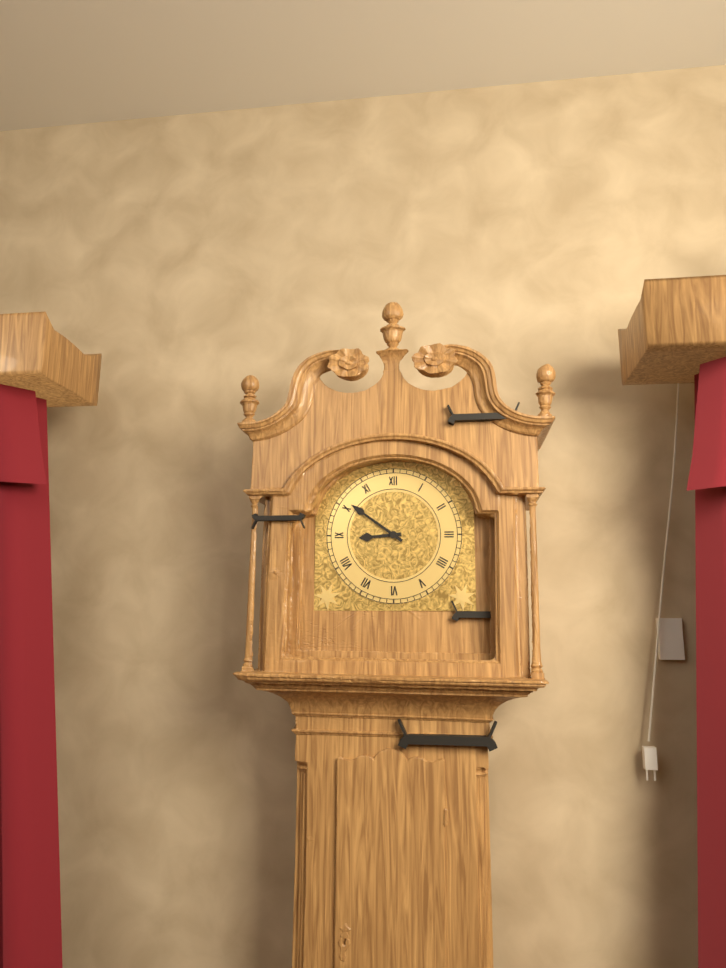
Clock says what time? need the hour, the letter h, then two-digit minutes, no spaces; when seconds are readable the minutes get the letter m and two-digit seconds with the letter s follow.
8h51
